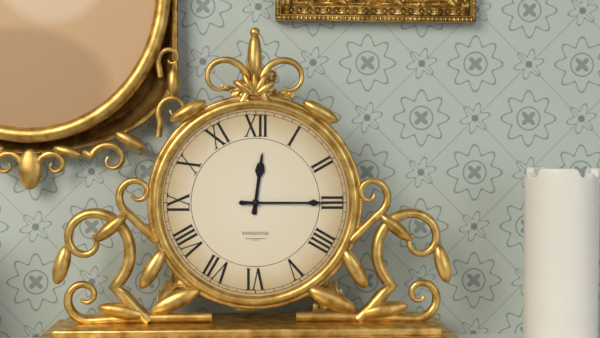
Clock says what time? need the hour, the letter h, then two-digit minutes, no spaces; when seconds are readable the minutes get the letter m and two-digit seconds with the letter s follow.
12h15
